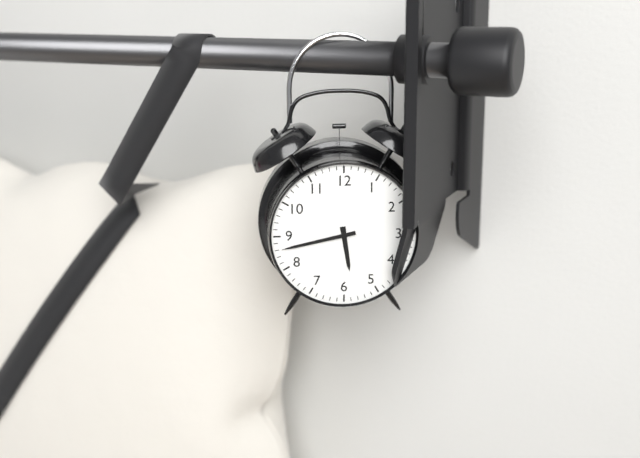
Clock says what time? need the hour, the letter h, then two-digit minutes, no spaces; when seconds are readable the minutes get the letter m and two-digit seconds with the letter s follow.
5h43
